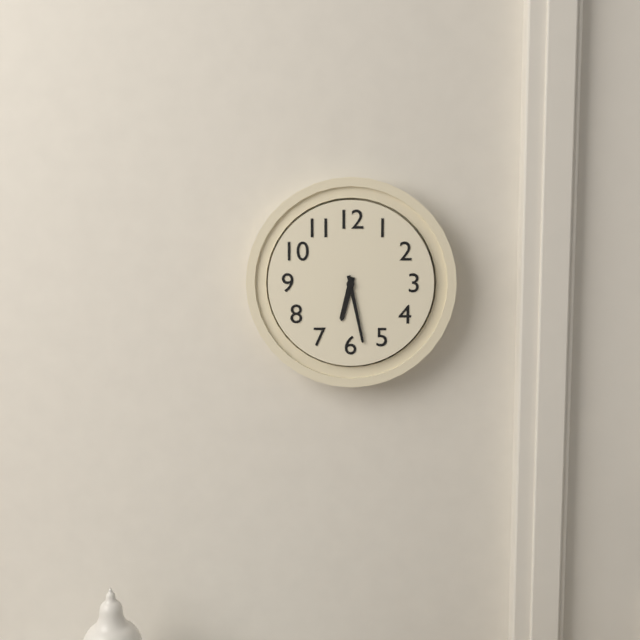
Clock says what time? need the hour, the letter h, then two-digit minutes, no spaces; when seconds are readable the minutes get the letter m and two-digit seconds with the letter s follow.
6h28
